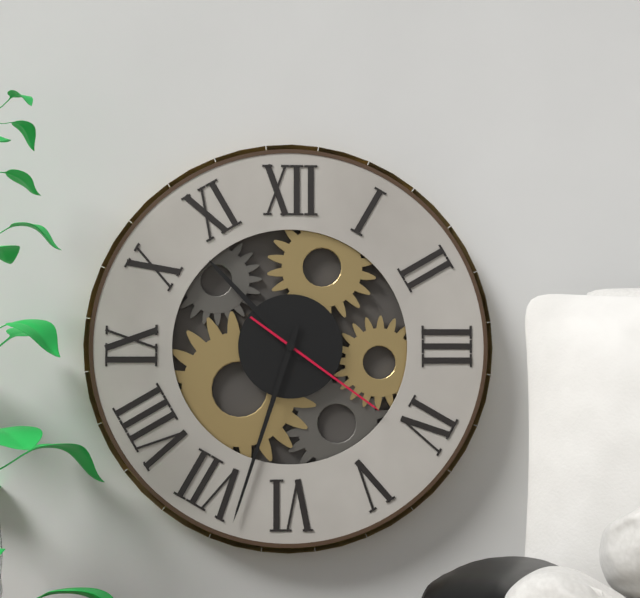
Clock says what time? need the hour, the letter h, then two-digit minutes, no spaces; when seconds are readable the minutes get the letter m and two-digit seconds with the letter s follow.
10h33m21s
